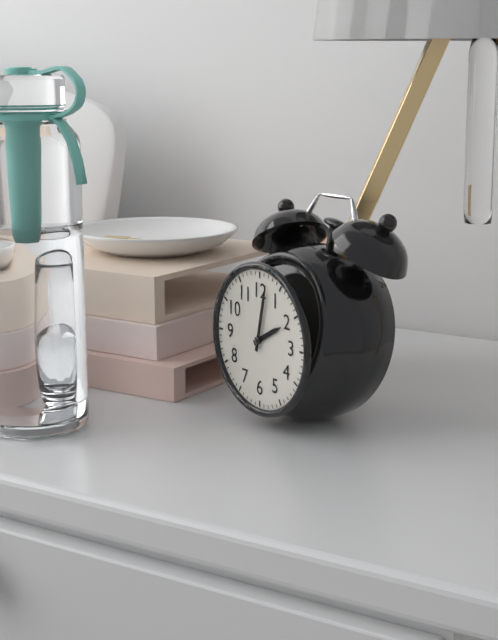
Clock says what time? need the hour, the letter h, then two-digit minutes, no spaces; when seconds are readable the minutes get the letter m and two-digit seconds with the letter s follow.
2h02
